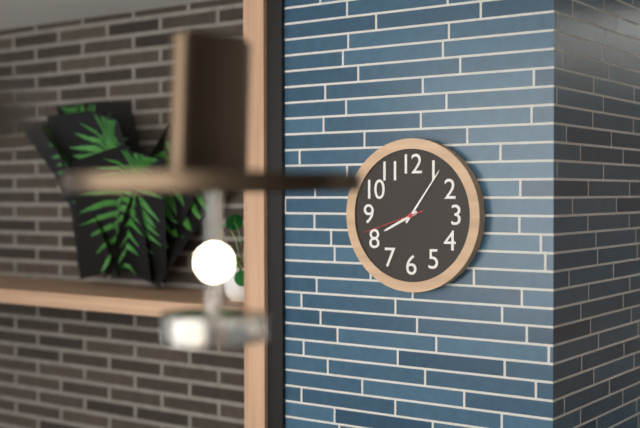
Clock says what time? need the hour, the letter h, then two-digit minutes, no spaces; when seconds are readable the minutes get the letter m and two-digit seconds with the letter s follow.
8h06m42s
